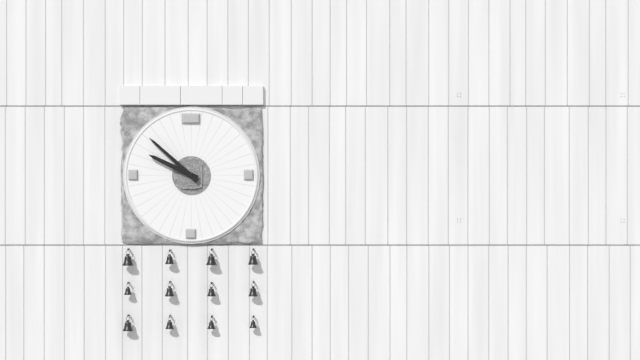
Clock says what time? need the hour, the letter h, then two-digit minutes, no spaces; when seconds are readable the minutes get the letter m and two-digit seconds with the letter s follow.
9h52
